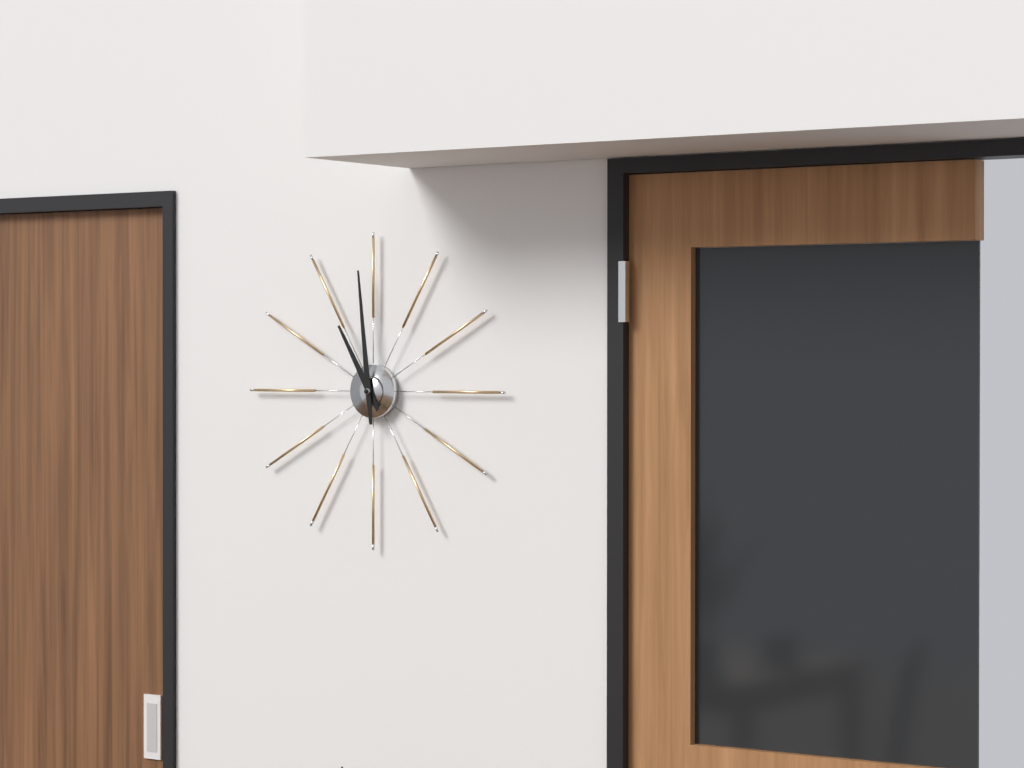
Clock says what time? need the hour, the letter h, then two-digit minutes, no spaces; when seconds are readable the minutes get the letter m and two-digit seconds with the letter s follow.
10h59
